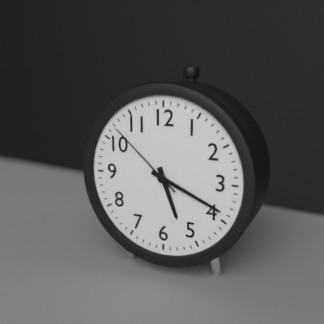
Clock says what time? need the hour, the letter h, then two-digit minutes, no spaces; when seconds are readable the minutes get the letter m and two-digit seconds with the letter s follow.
5h19m52s
